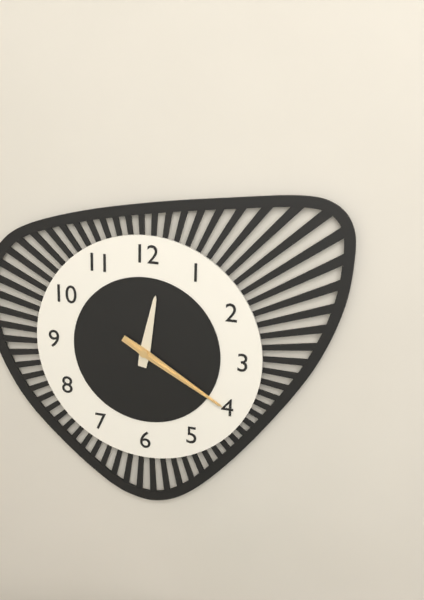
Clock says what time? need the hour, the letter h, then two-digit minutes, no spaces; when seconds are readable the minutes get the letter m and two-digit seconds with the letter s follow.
12h20m20s
